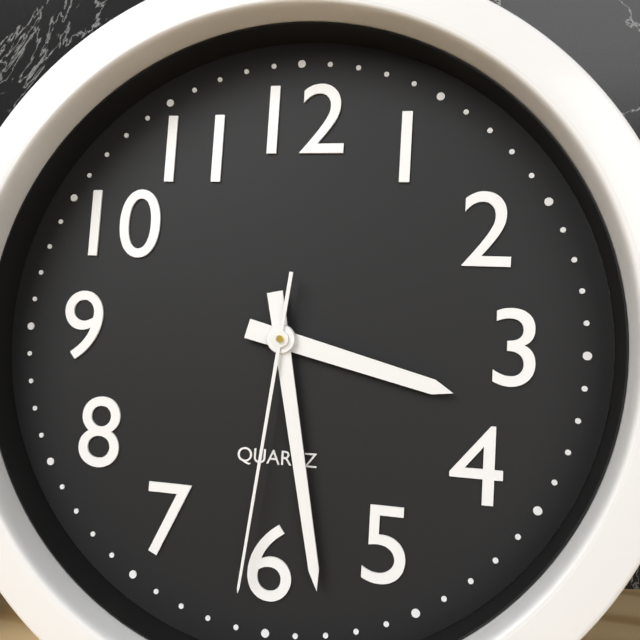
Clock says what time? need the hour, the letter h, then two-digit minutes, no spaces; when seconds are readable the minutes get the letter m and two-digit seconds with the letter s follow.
3h28m31s
